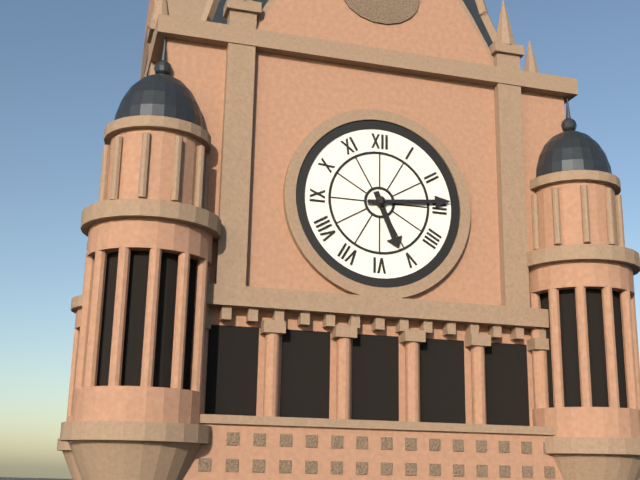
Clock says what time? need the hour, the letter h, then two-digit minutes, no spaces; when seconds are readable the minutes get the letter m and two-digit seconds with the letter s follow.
5h14
